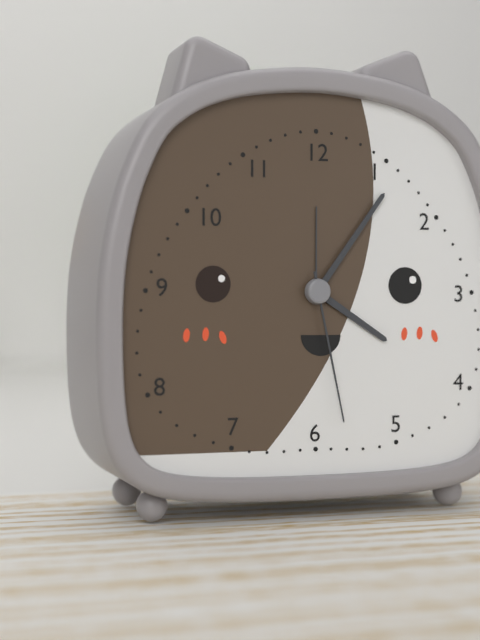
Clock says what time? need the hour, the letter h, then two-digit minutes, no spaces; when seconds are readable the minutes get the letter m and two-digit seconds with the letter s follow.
4h06m28s
